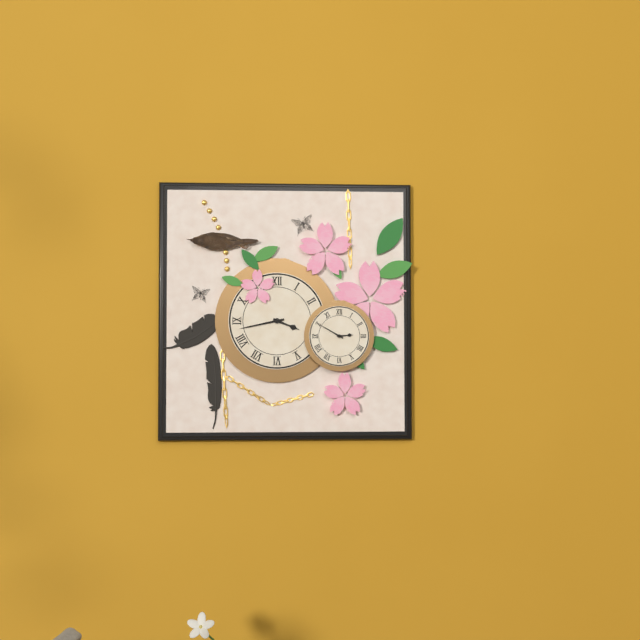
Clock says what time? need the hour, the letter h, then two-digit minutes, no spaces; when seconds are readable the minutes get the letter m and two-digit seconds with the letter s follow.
3h43
